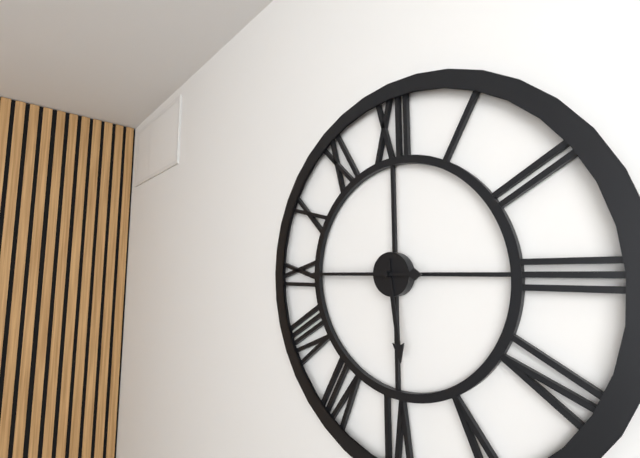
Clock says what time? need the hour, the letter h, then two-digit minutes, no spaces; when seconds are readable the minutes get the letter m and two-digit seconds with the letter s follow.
5h45
